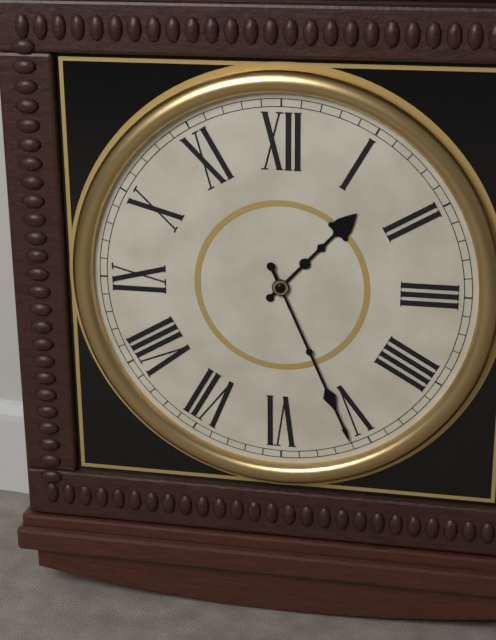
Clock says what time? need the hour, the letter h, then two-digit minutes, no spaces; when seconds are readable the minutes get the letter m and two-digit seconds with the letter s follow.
1h26
